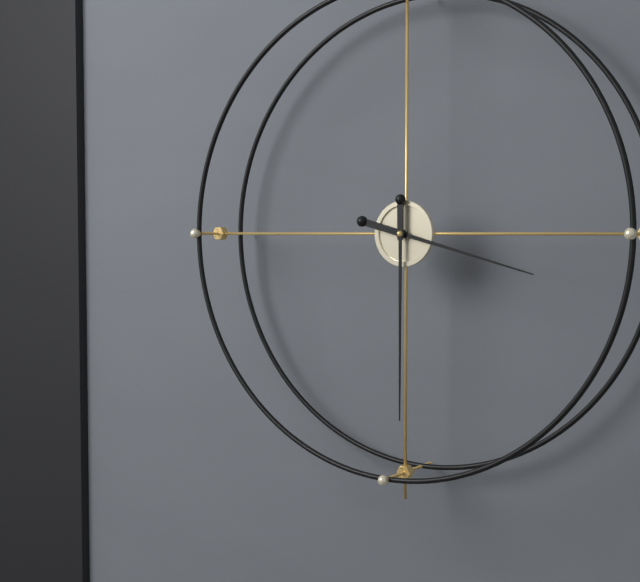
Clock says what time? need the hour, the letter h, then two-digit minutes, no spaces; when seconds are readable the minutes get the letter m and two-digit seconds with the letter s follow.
3h30
